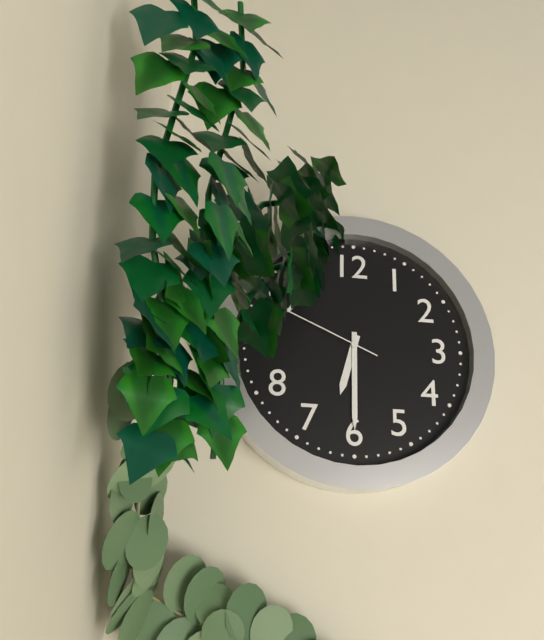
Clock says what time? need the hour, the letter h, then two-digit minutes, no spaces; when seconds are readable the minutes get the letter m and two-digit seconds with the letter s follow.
6h30m49s
